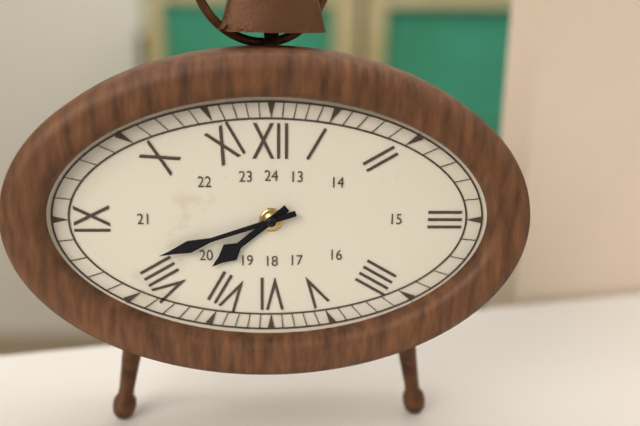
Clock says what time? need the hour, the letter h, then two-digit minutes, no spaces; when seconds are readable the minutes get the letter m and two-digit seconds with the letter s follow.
7h42
